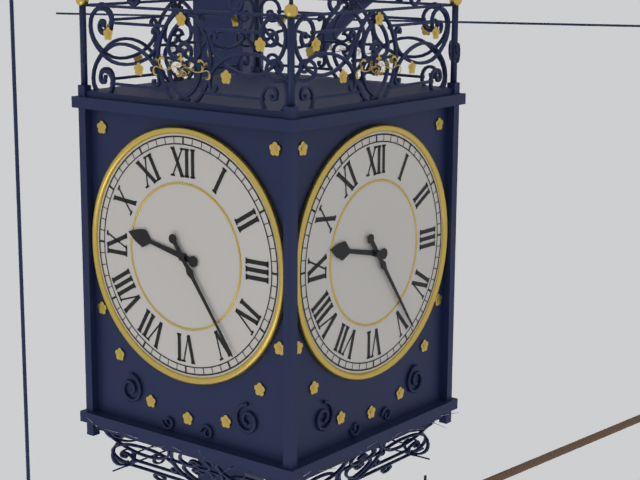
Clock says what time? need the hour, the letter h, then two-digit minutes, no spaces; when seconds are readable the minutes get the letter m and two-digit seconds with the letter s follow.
9h24
